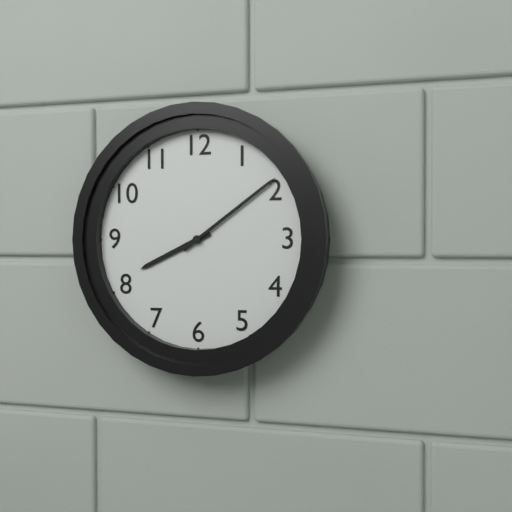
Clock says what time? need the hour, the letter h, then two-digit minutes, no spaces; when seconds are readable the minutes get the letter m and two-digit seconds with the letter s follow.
8h09
